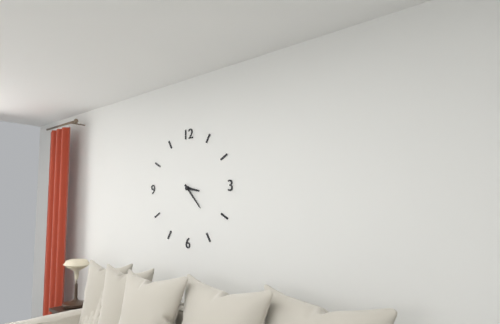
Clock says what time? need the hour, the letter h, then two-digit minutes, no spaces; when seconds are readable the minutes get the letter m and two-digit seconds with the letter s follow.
3h23
